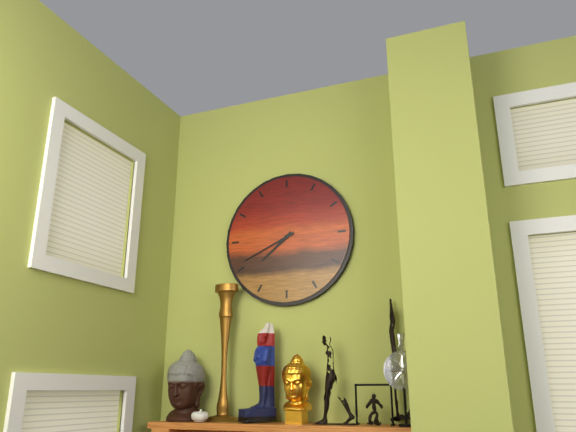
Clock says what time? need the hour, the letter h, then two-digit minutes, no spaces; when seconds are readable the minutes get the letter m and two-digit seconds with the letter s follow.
7h41
